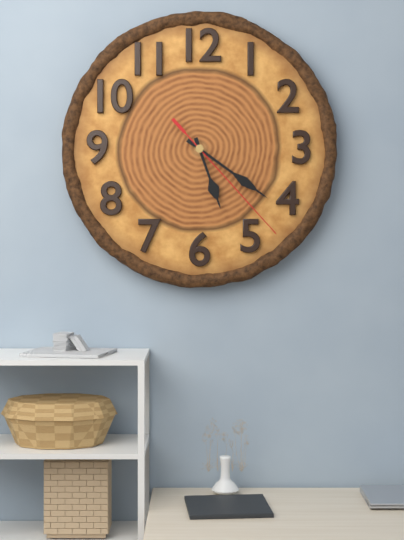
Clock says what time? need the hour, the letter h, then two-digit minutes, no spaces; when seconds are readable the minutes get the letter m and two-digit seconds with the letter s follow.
5h21m23s
